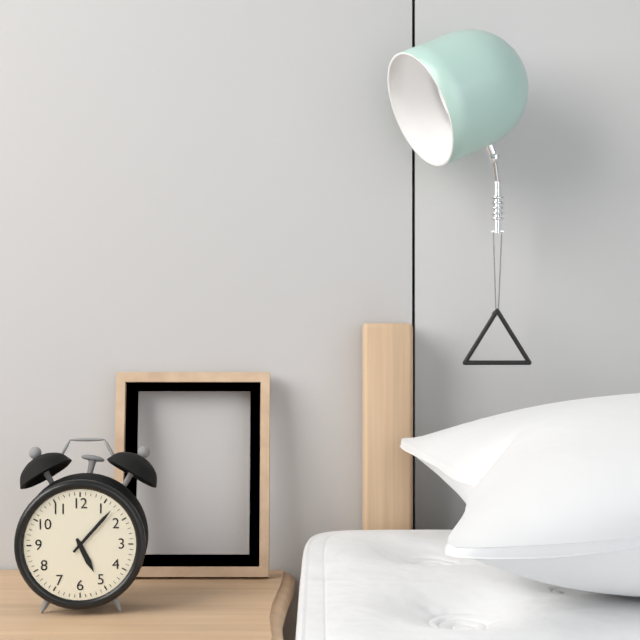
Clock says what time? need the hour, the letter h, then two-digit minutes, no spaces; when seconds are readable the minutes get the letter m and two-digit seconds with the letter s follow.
5h07
